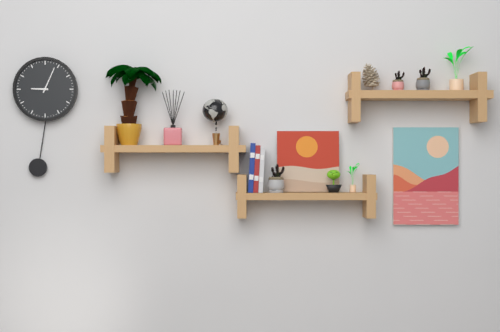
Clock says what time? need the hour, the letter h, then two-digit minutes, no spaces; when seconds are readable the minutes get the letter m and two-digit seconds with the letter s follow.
9h04
